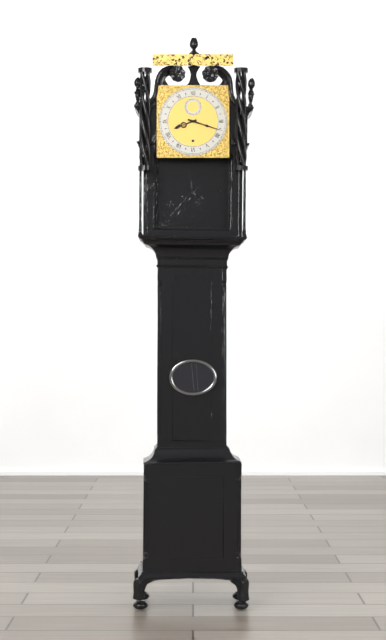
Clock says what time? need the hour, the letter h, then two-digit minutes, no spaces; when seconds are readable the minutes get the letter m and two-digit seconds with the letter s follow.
8h18
